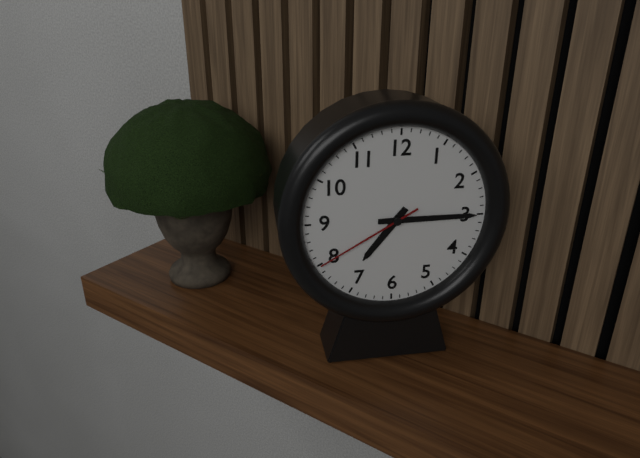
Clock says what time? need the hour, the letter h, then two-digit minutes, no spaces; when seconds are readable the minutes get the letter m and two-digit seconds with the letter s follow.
7h15m40s
